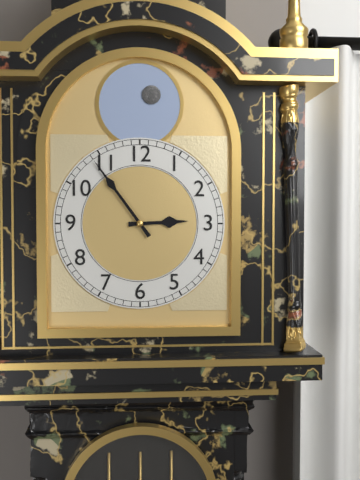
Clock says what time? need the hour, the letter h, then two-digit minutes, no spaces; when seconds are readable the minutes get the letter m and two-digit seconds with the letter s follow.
2h54
